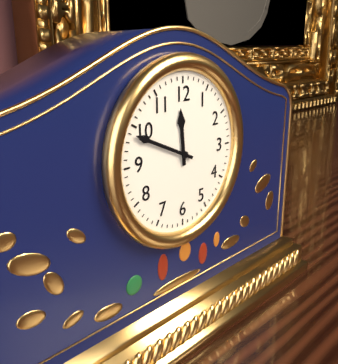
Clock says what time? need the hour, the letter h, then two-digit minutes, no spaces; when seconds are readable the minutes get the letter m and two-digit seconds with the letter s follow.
11h49
